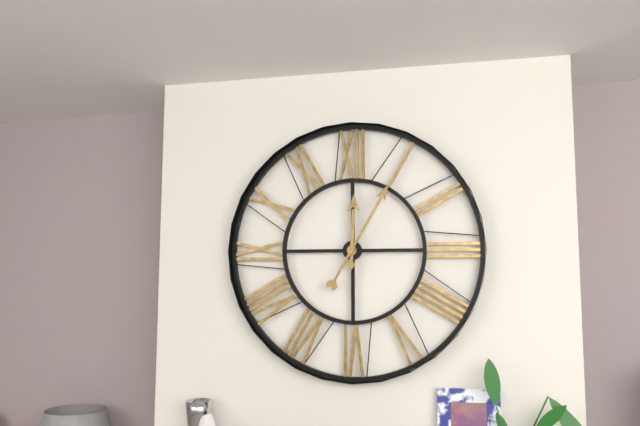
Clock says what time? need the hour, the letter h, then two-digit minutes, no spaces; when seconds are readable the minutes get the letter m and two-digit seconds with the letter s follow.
12h05
